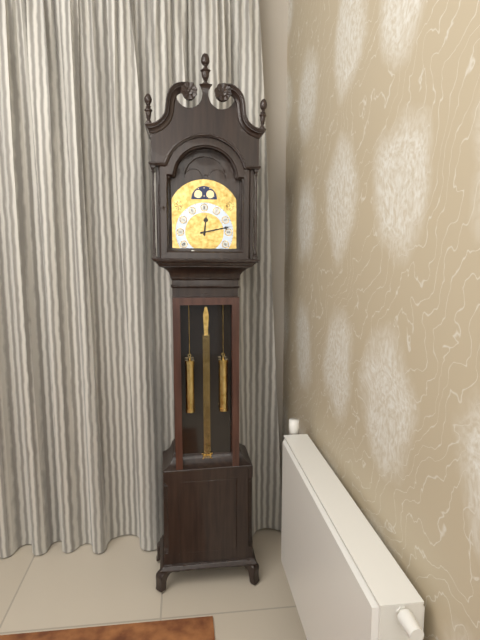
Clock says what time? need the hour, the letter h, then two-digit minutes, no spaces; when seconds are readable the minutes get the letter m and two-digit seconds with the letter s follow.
12h13
